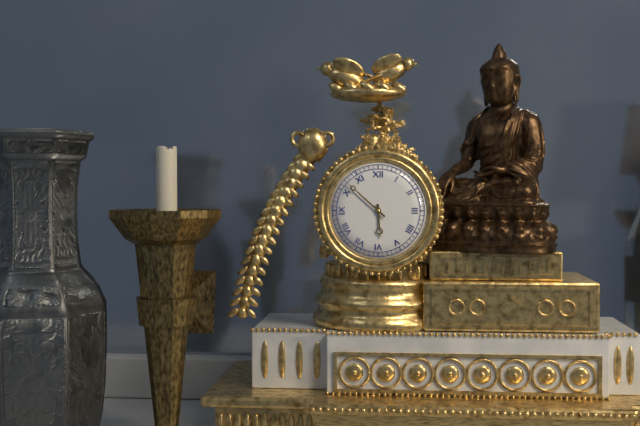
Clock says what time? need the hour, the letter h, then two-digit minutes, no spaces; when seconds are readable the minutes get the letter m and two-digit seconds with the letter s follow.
5h52
